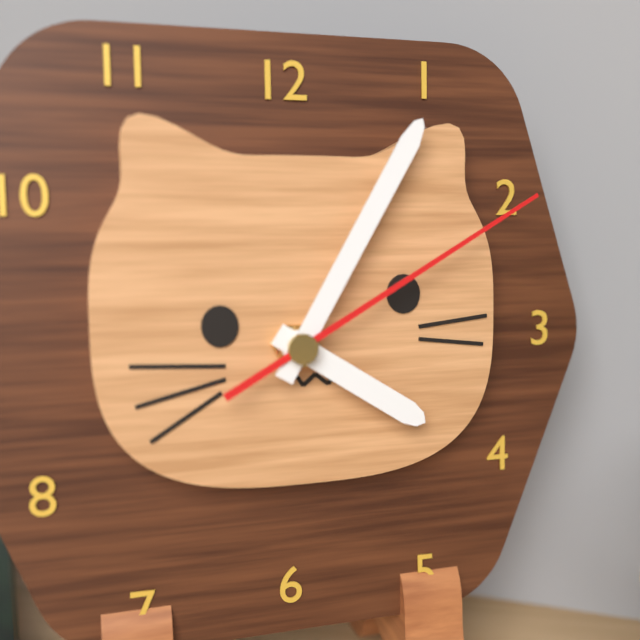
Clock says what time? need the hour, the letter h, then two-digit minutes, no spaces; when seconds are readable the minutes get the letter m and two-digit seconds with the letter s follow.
4h05m10s
